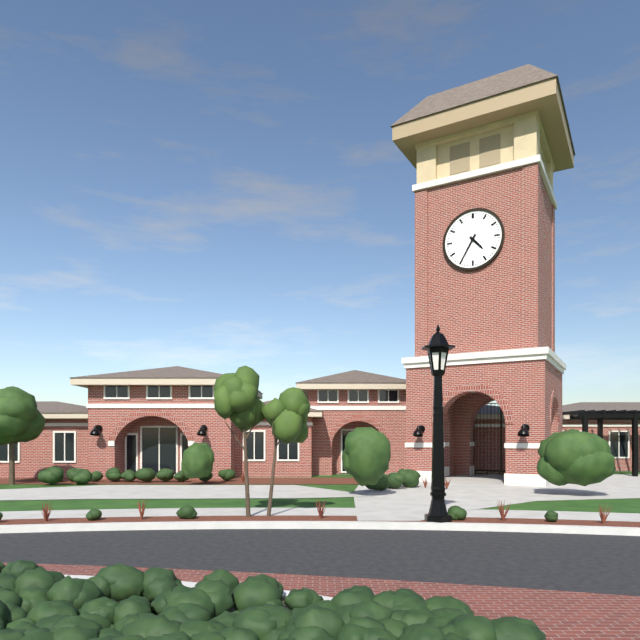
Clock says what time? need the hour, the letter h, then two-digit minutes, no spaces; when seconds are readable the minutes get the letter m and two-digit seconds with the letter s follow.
4h35
